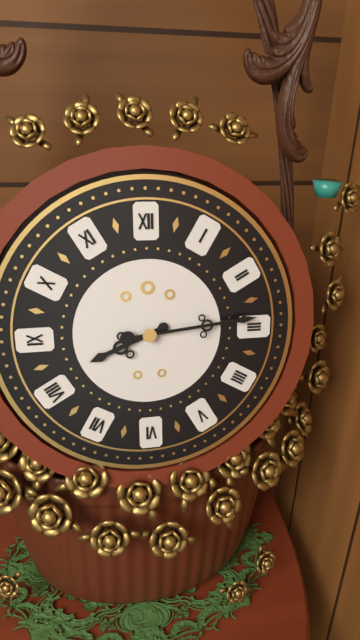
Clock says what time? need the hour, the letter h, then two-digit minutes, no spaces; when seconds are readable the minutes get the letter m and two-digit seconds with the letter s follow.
8h14
